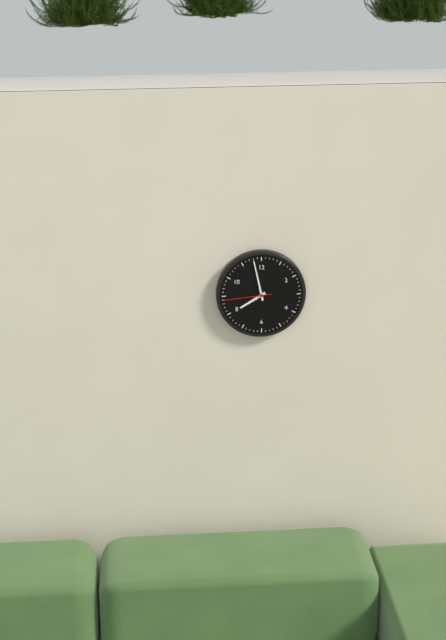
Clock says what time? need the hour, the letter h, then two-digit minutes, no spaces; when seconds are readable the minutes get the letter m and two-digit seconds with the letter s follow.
7h58
